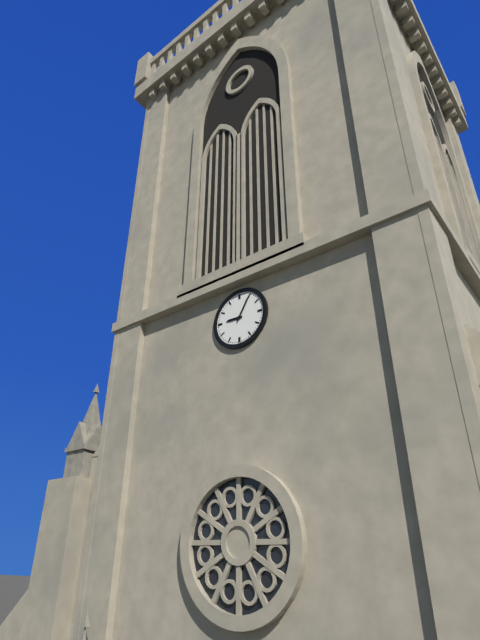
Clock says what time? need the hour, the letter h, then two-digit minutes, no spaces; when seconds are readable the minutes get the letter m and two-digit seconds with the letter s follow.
9h05
